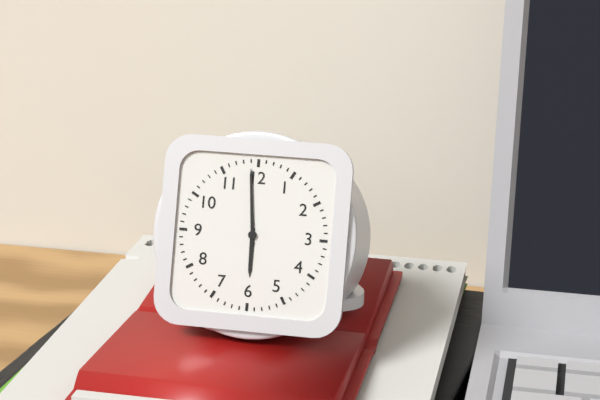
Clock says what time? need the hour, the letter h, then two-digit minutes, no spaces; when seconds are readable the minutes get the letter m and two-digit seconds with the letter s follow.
5h59
